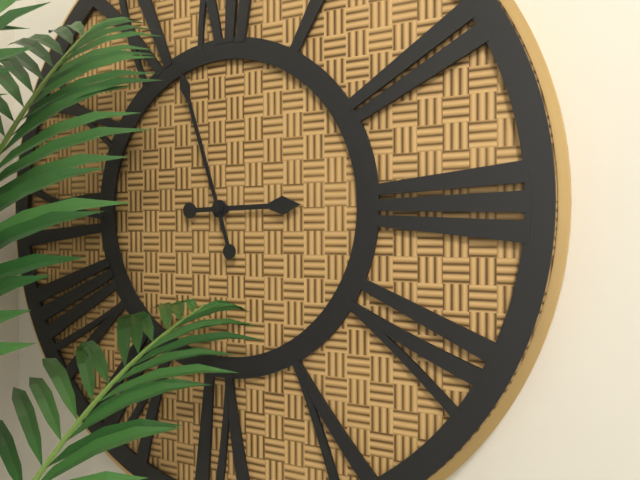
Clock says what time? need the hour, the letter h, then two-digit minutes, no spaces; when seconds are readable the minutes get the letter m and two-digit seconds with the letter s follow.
2h57
